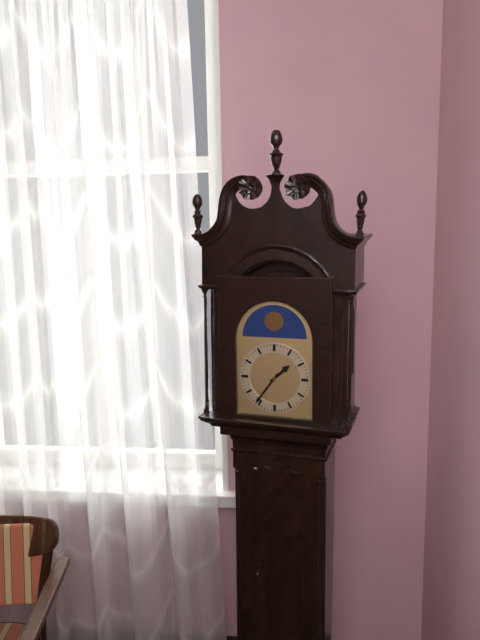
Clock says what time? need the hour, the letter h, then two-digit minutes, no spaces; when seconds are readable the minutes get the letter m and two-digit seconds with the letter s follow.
1h36
